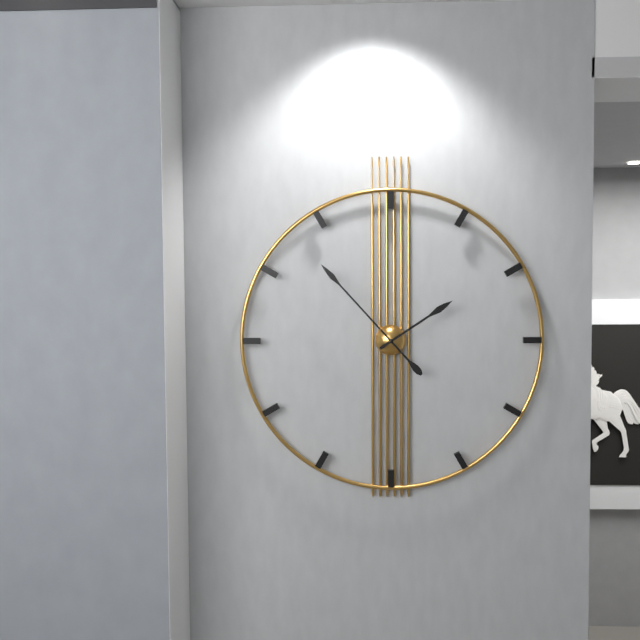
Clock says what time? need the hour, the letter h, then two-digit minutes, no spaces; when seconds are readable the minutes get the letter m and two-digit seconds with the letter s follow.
1h53
